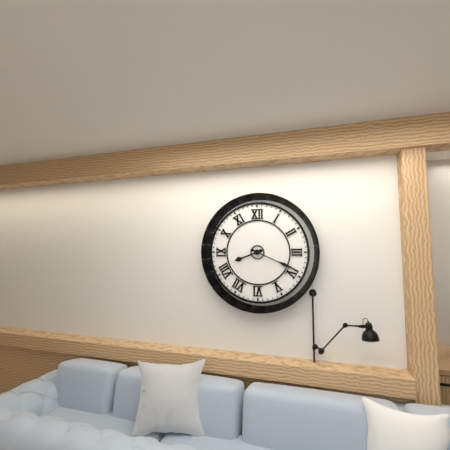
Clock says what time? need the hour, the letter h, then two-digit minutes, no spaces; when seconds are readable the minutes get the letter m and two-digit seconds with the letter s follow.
8h19
